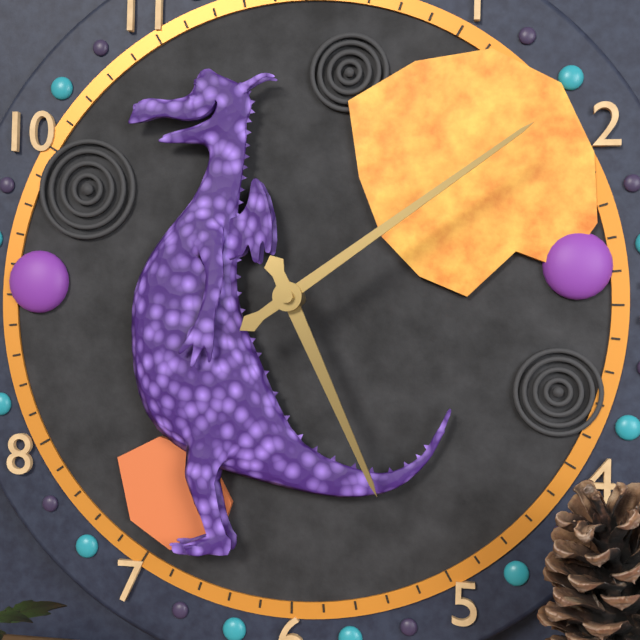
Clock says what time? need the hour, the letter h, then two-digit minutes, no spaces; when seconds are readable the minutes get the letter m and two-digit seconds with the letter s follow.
5h09
